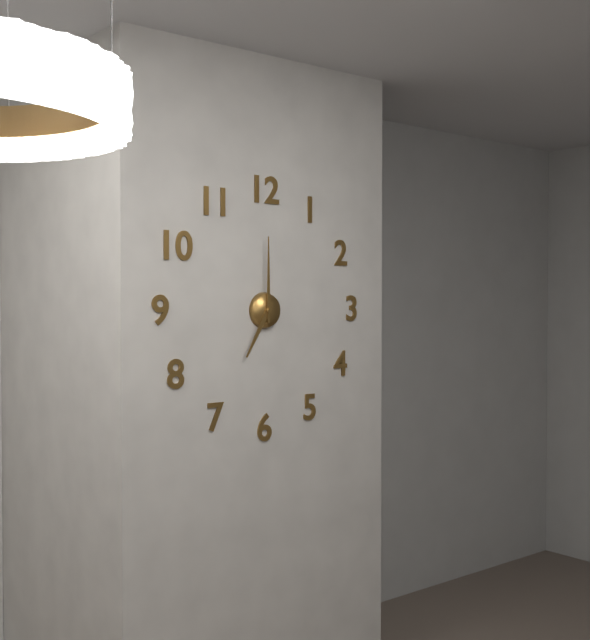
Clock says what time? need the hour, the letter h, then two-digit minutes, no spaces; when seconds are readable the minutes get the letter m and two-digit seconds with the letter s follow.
7h00
